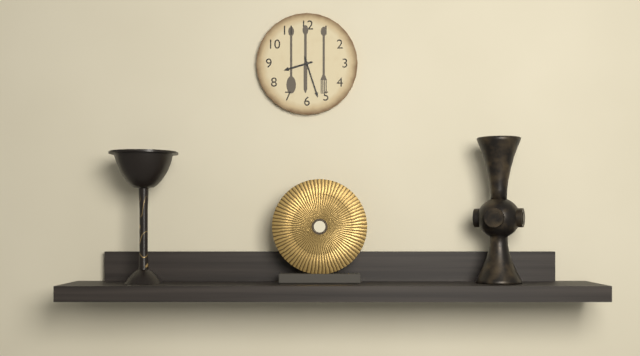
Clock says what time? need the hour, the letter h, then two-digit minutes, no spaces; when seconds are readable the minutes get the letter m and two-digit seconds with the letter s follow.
8h27
